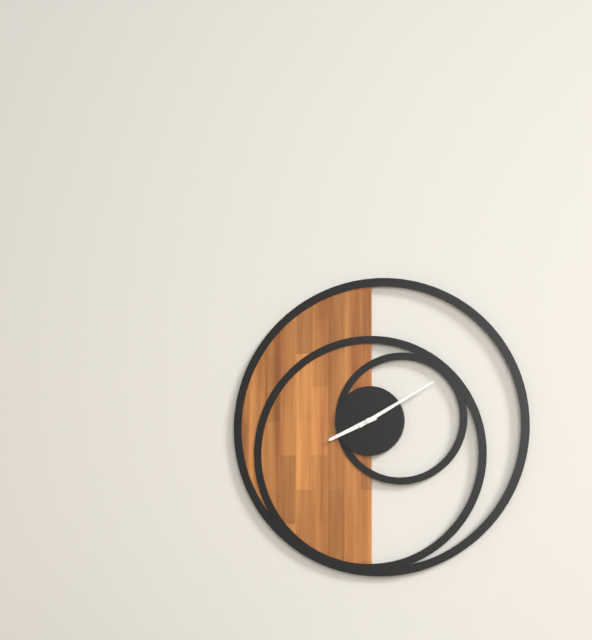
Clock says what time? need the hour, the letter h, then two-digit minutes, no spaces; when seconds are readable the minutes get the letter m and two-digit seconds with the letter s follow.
8h10
